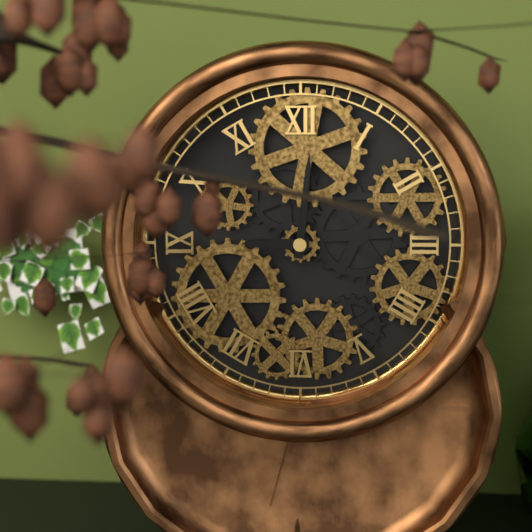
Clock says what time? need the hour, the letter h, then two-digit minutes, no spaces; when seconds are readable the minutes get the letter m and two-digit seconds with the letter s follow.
9h01
